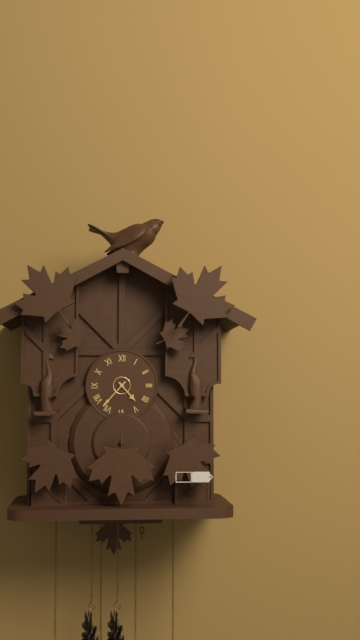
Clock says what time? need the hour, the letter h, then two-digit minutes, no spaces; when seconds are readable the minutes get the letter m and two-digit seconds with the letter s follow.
4h37
